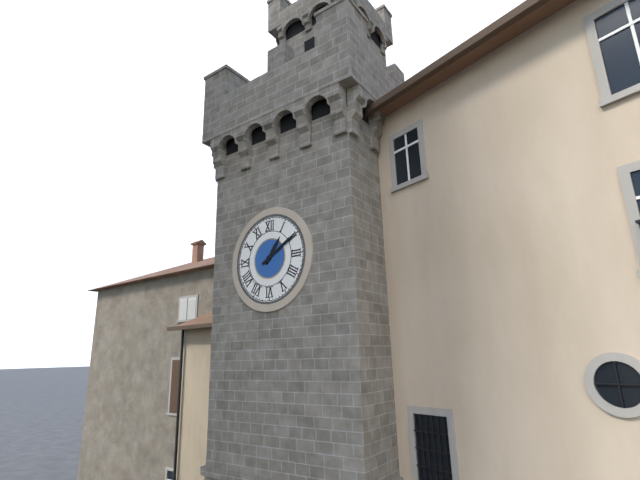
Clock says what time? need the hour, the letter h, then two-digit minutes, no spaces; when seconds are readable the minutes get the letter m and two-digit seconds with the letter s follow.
1h10
